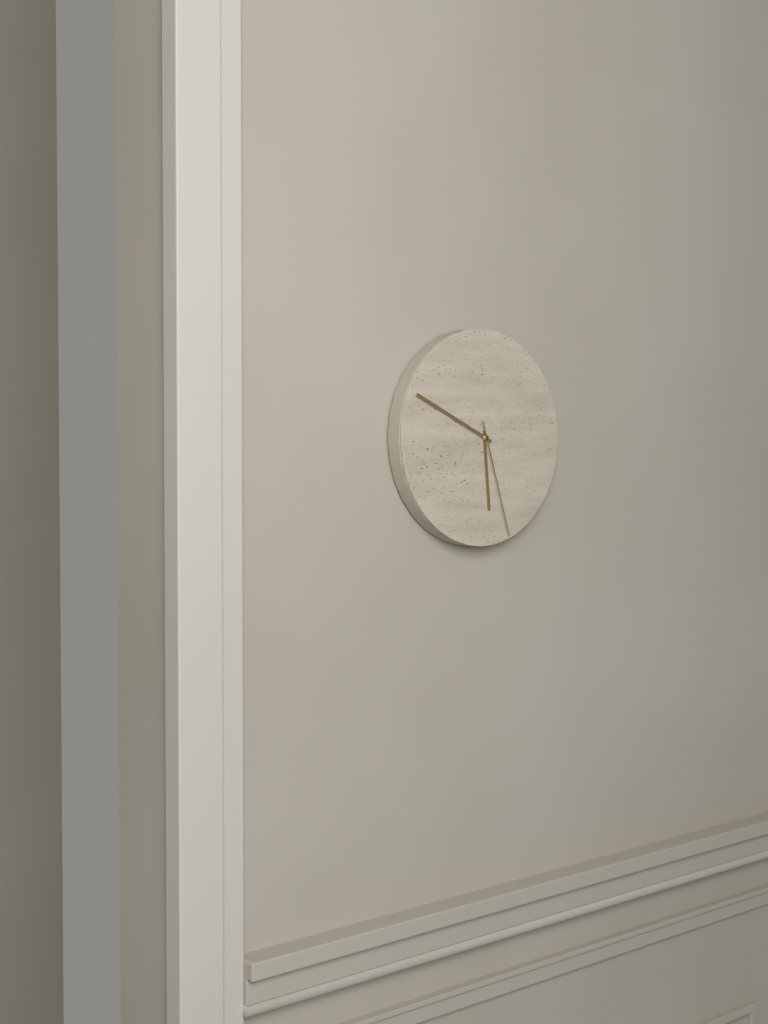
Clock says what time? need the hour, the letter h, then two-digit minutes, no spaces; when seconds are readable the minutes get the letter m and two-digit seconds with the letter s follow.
5h49m27s
